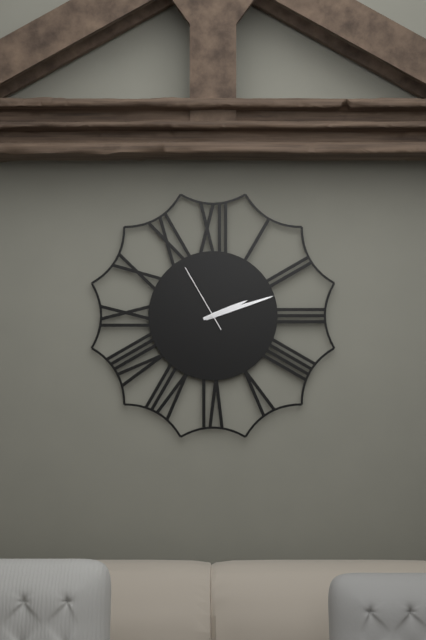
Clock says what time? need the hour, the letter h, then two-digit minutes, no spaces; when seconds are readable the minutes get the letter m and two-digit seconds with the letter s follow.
2h12m55s
